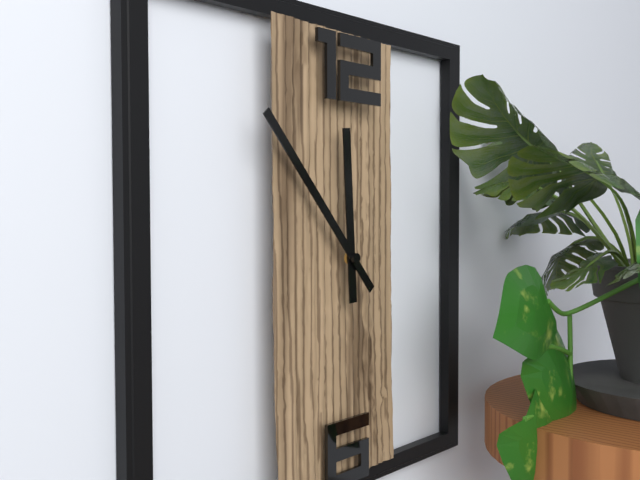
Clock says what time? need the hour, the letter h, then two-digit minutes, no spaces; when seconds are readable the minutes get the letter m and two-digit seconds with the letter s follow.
11h53
